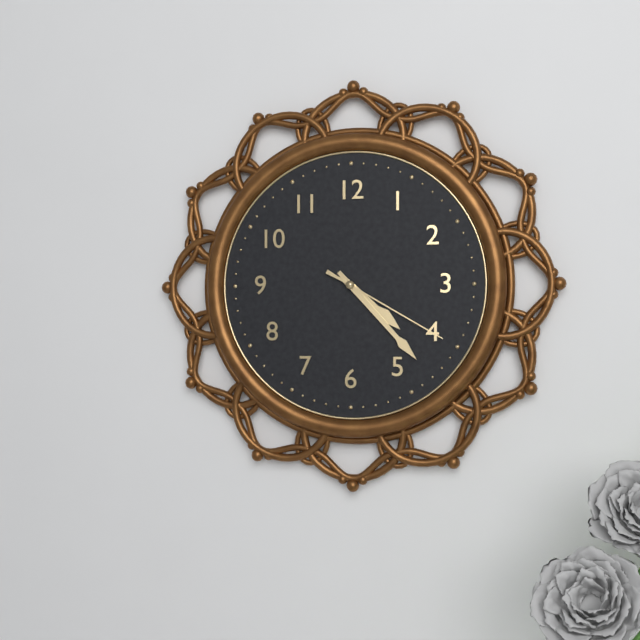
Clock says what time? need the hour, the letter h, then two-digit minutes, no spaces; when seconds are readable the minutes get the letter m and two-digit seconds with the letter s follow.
4h23m20s
